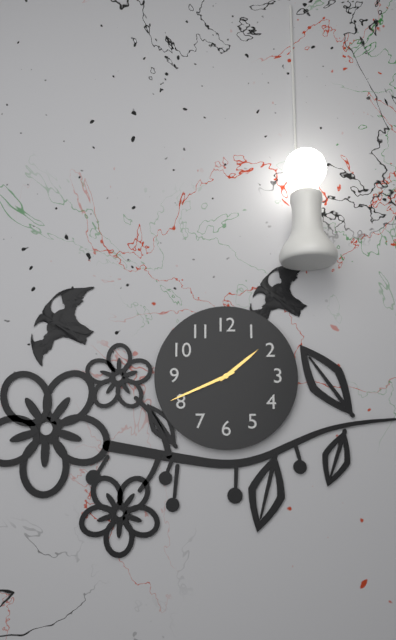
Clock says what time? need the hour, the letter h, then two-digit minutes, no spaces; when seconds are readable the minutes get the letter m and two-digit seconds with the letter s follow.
1h41
